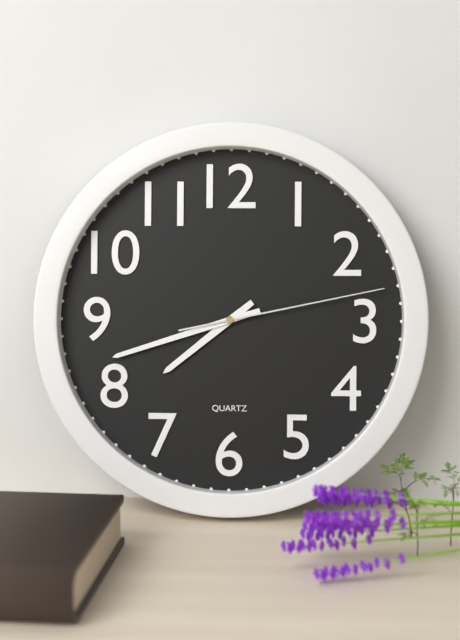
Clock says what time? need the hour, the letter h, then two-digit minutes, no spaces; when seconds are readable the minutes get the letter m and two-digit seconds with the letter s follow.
7h42m13s
